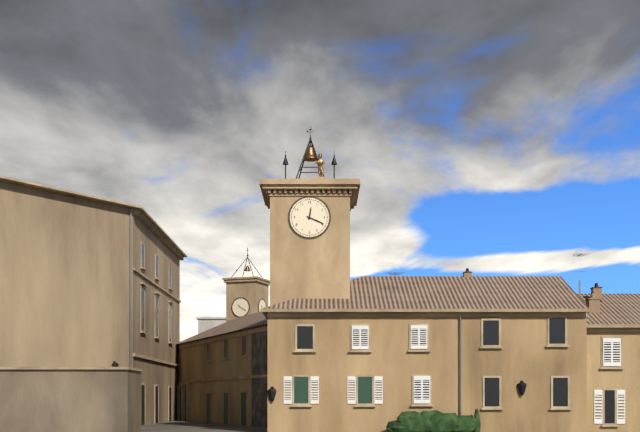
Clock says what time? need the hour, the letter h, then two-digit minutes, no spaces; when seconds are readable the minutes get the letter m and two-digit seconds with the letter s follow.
12h19
